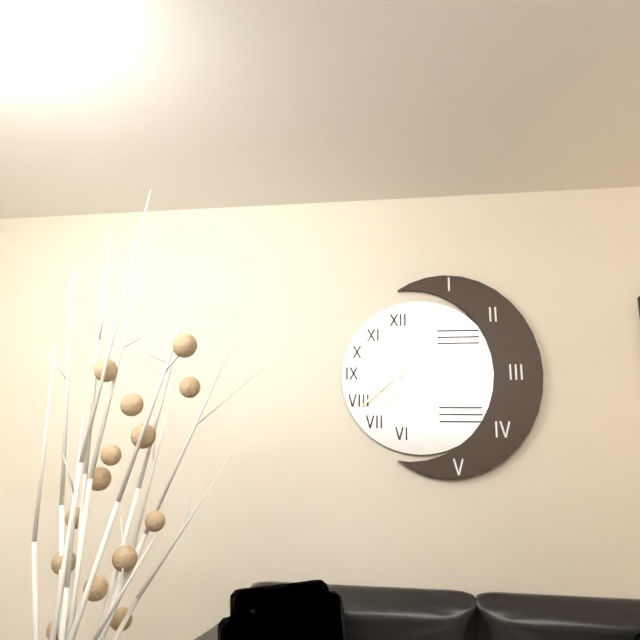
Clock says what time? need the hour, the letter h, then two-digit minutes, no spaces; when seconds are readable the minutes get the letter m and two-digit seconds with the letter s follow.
6h38m53s
